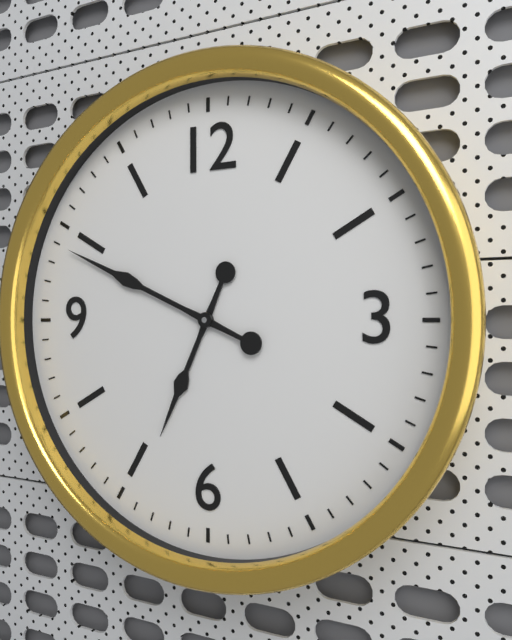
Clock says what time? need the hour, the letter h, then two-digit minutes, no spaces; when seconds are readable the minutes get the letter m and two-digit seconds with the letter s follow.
6h49
